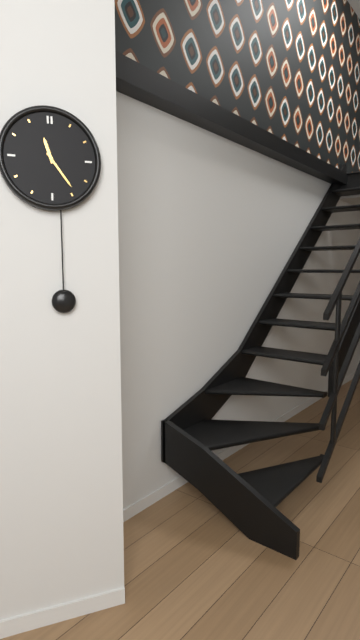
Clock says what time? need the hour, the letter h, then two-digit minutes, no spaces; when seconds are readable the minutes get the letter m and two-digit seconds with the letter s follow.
11h24
